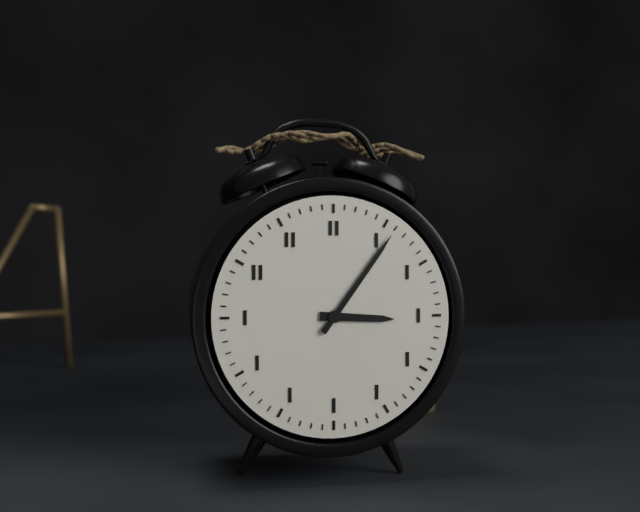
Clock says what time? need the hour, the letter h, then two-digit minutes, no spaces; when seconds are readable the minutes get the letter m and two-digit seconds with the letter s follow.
3h06
